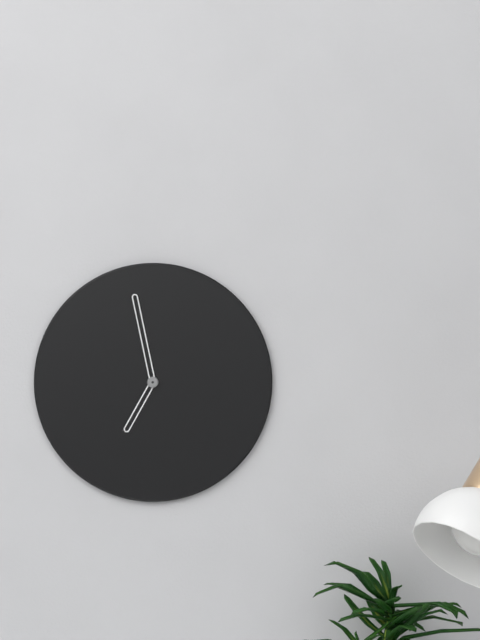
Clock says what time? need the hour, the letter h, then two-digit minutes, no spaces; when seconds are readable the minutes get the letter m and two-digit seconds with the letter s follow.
6h58
